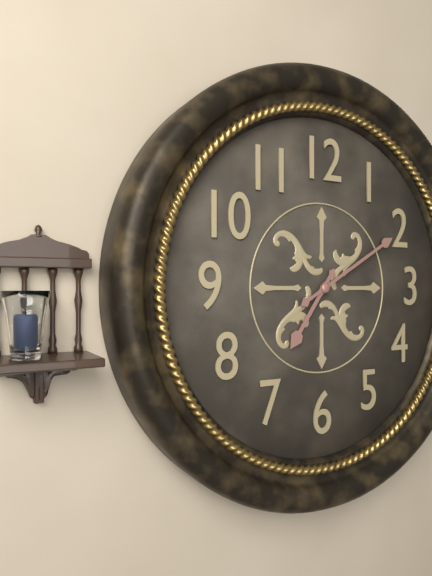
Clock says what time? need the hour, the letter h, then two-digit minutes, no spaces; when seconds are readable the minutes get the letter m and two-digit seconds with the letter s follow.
7h10
